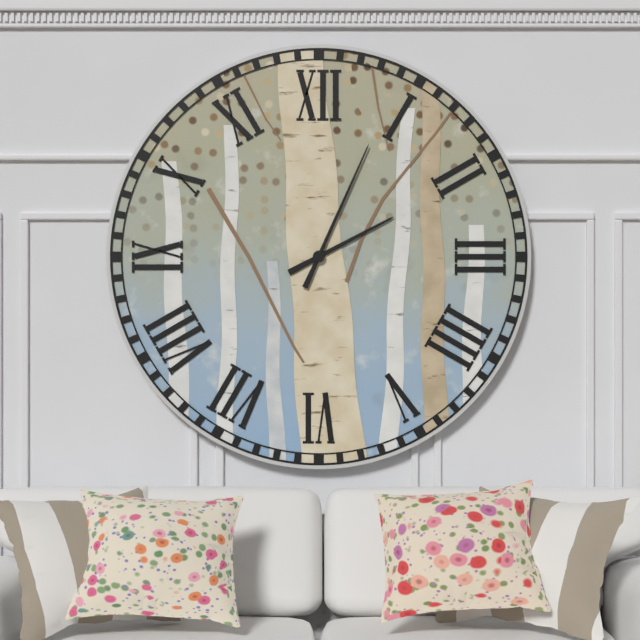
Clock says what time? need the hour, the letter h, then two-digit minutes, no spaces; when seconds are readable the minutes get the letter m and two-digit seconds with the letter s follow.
2h04
